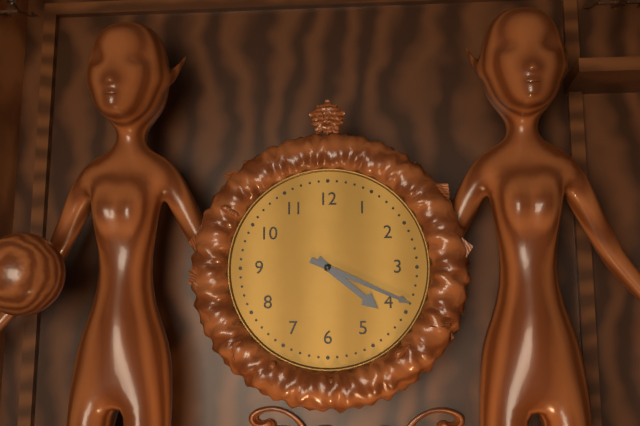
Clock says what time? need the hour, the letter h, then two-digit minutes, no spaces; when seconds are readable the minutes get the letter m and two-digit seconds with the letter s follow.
4h19
